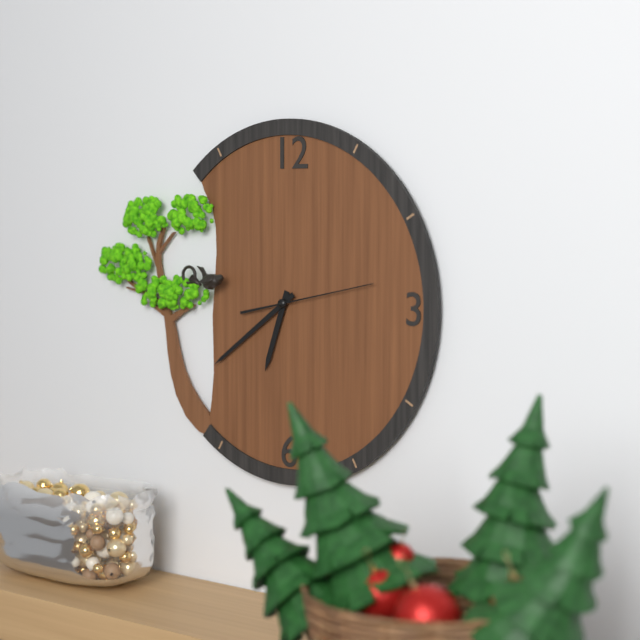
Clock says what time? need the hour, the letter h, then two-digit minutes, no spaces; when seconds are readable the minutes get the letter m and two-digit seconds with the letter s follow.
6h39m13s
